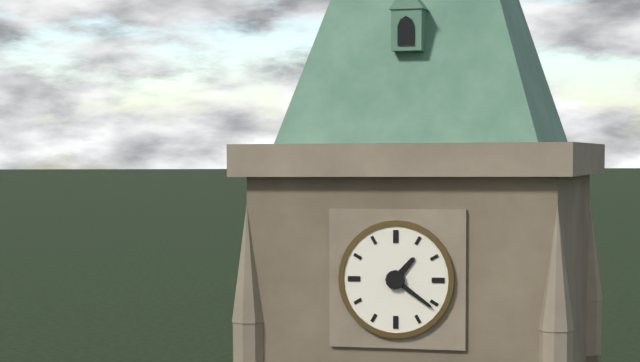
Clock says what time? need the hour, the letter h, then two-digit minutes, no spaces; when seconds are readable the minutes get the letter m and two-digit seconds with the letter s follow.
1h21
